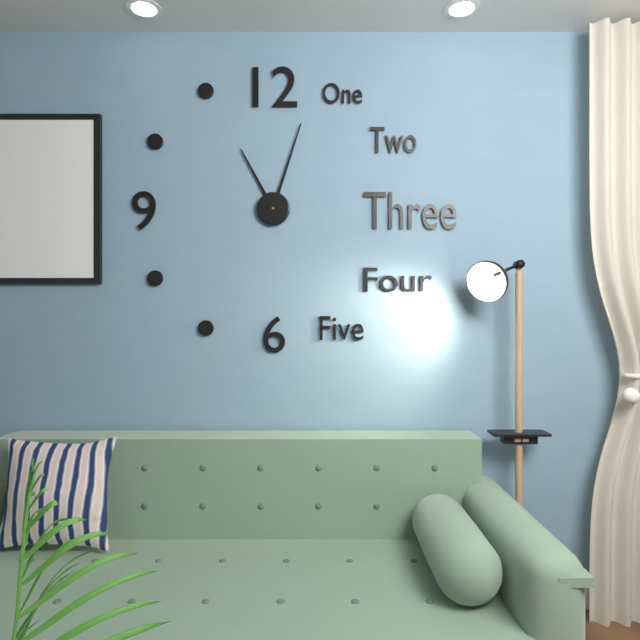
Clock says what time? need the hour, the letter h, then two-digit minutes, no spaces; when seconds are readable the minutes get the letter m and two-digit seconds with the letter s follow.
11h03
